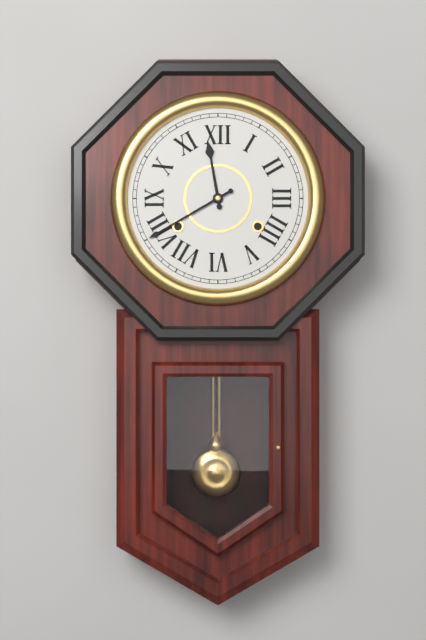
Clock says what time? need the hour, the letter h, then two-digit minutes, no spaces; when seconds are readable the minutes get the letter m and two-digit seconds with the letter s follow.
11h40
